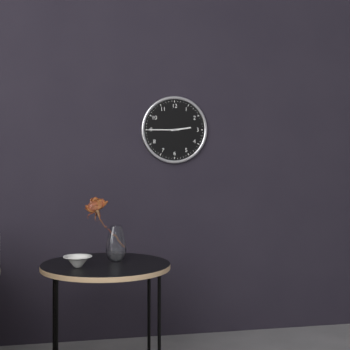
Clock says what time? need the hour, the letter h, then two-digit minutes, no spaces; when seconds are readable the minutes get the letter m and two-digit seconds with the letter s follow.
2h45
